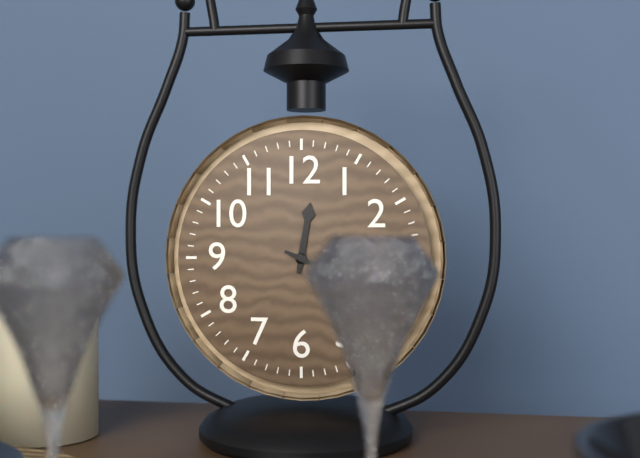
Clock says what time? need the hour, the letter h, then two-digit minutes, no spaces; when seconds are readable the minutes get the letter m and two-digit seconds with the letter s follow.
12h19
